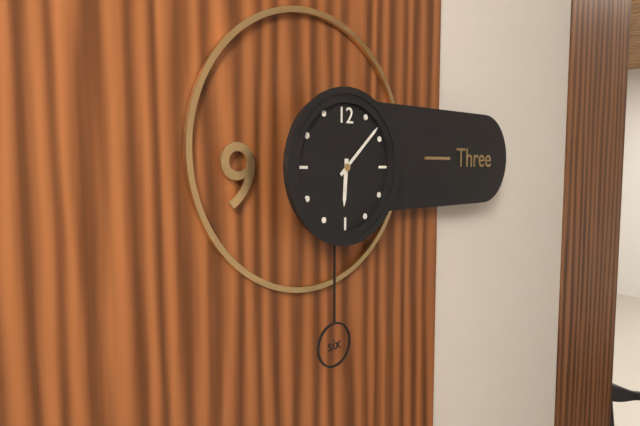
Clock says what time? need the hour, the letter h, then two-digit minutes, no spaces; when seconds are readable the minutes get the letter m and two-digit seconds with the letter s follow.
6h08
